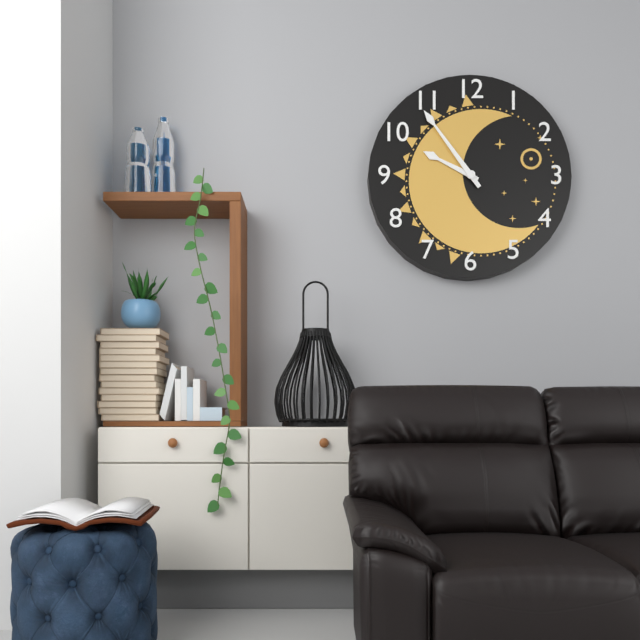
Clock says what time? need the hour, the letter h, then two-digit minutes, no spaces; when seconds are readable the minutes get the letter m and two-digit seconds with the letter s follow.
9h54
